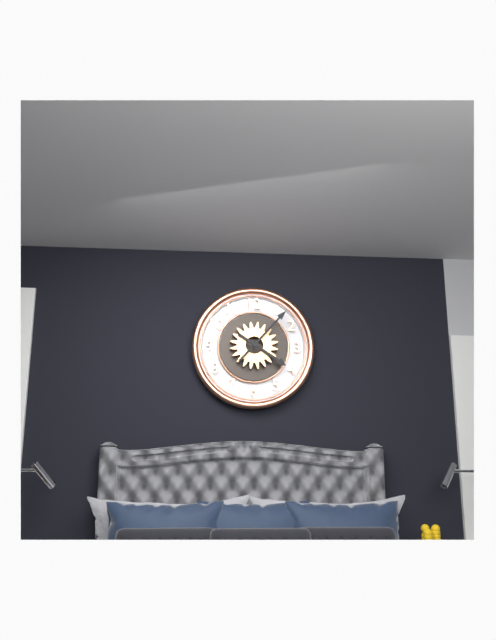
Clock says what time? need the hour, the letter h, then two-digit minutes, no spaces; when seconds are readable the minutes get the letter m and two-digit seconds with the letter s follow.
4h07
